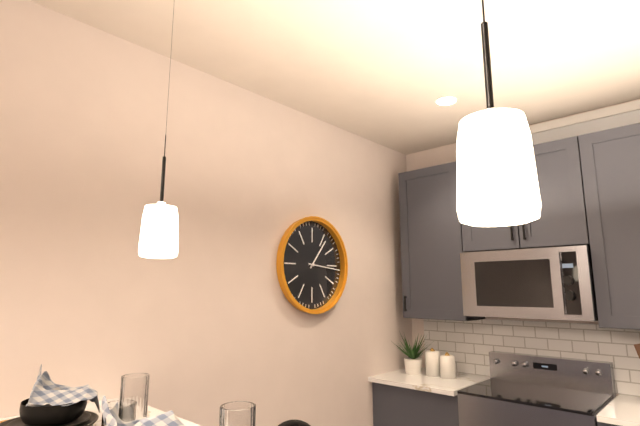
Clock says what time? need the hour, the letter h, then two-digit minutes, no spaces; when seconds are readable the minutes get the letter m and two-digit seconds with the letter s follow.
1h16
